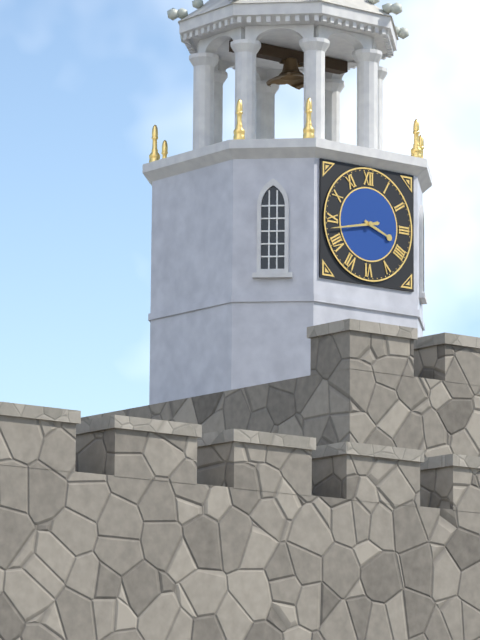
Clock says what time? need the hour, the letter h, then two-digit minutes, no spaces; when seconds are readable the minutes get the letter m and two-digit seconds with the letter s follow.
3h43
